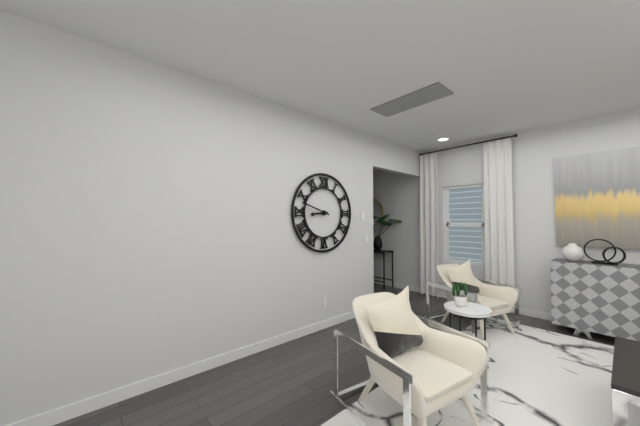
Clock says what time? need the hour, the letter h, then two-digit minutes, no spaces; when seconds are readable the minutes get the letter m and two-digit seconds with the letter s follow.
8h48
